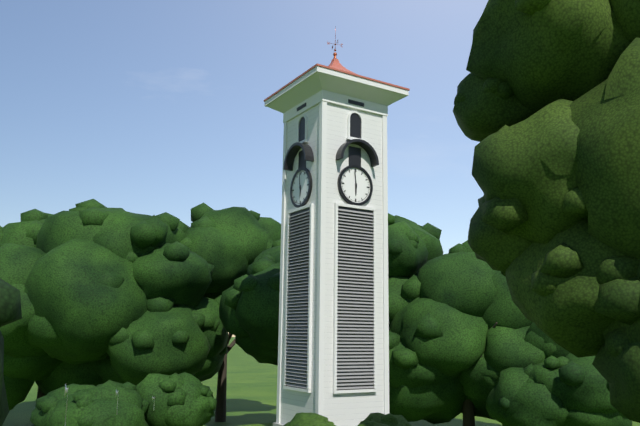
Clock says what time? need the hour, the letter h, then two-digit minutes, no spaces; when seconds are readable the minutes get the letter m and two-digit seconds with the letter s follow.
5h59
